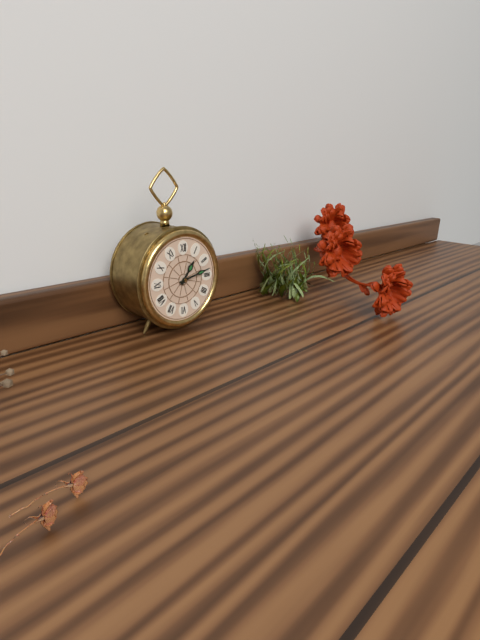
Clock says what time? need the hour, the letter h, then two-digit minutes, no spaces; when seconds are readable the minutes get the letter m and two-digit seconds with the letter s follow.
1h13
